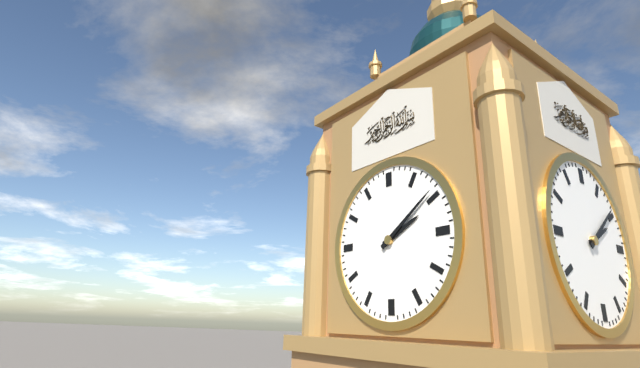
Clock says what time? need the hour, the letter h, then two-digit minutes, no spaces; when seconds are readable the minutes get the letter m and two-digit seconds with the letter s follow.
2h09
